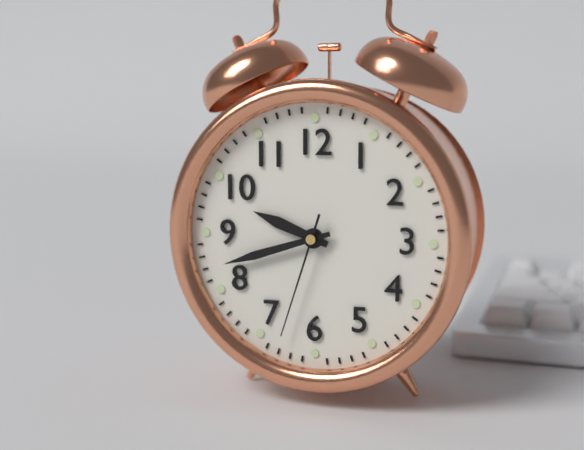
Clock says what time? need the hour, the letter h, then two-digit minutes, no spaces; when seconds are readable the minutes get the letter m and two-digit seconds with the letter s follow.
9h42m33s
